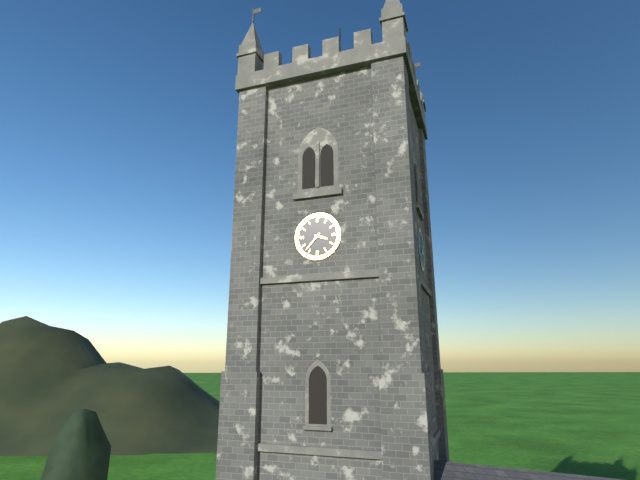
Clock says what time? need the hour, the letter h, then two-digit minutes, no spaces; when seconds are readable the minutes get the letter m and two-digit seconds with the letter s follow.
3h37
